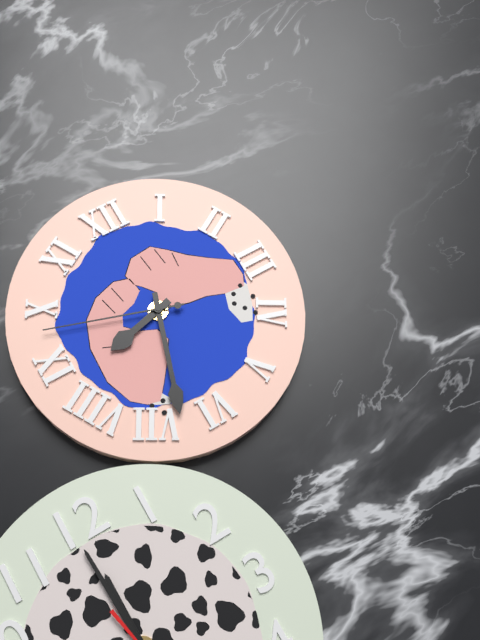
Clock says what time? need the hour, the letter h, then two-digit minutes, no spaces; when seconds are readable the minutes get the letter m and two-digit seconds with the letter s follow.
8h33m48s
